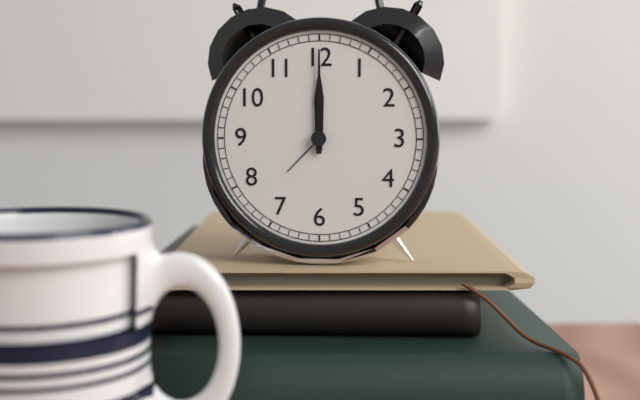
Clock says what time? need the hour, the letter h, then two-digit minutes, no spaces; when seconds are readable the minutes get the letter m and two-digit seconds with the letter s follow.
12h00
